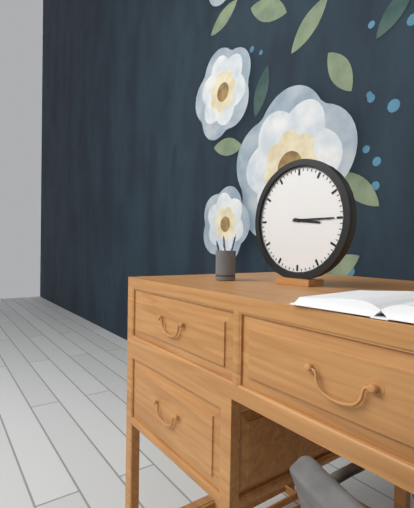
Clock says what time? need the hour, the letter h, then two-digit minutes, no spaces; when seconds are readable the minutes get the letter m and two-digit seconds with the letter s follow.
3h15
